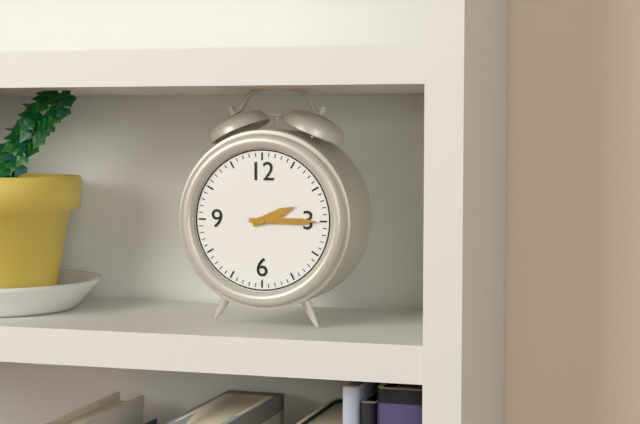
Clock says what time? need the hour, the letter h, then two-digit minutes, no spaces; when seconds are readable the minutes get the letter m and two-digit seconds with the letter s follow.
2h15
